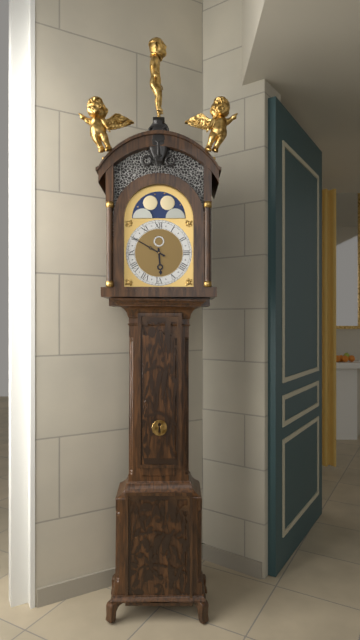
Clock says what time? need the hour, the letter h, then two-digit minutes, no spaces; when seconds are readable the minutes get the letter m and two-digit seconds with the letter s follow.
5h50
